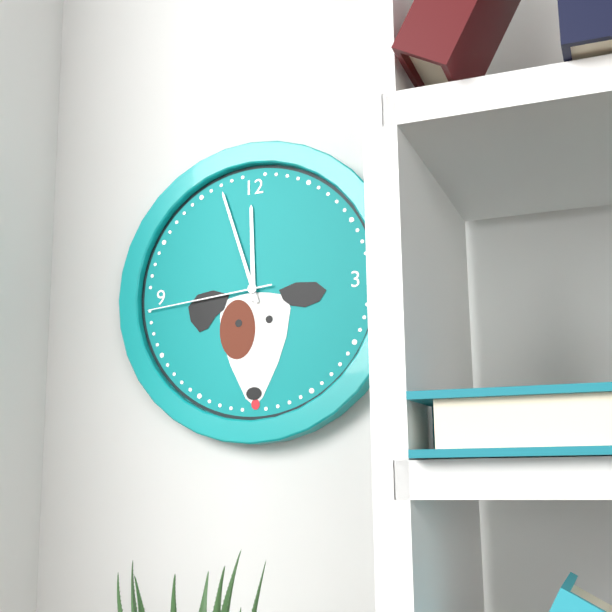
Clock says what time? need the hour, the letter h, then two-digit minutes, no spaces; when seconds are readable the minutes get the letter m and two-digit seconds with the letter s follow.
11h57m44s
